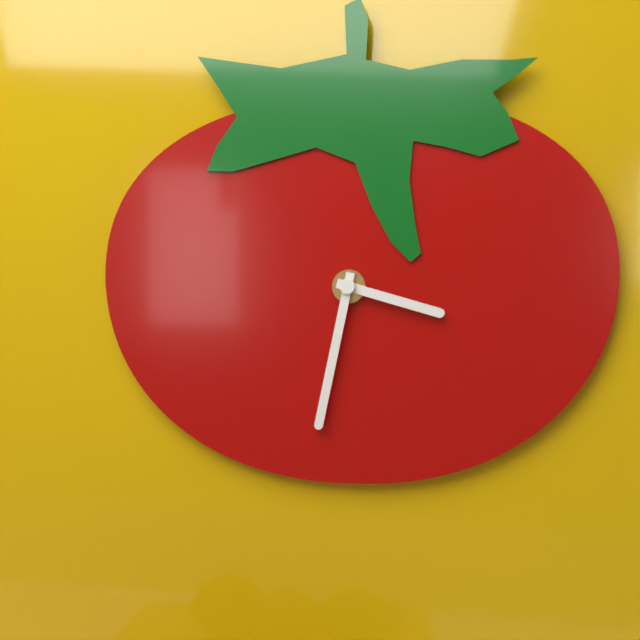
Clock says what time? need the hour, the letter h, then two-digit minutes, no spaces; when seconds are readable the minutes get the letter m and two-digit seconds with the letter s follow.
3h32
